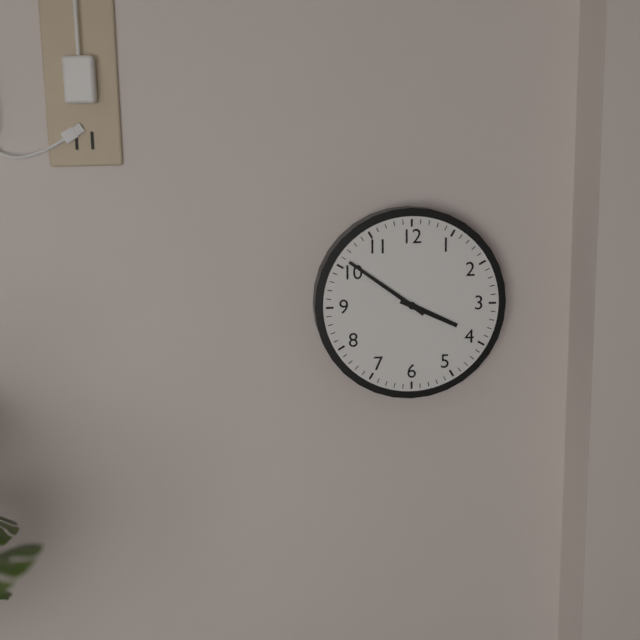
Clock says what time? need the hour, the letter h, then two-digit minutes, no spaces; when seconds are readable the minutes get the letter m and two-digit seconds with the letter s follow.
3h51
